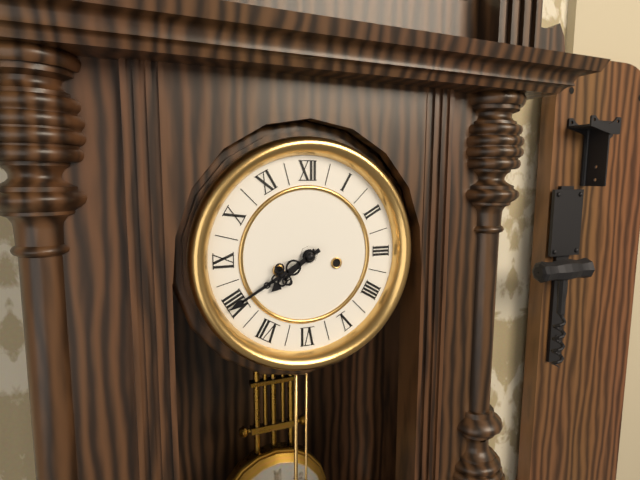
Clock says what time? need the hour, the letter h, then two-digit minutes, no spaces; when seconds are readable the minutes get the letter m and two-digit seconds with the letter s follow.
7h40
